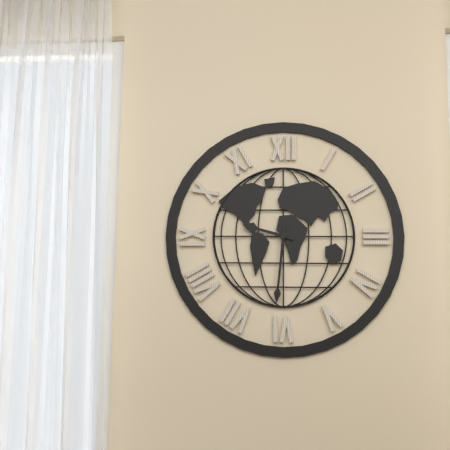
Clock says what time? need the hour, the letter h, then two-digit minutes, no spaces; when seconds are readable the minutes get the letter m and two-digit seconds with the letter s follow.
9h31
